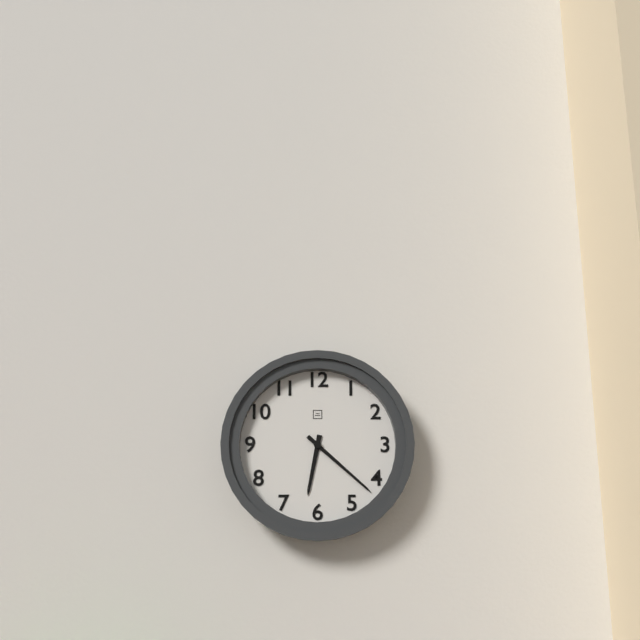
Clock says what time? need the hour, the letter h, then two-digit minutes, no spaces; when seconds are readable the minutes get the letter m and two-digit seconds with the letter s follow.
6h22
